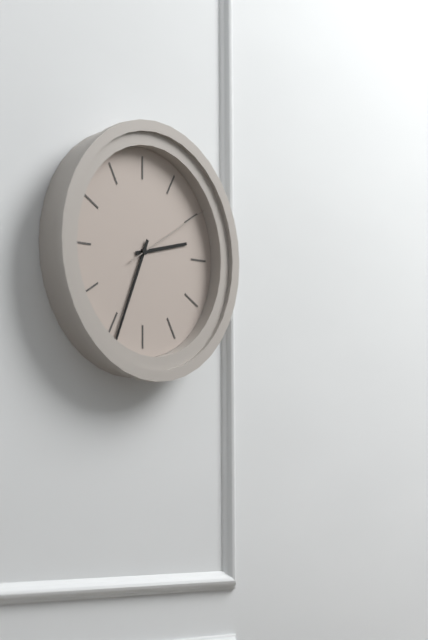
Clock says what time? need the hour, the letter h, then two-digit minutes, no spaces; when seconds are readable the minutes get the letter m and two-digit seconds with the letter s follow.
2h34m10s
